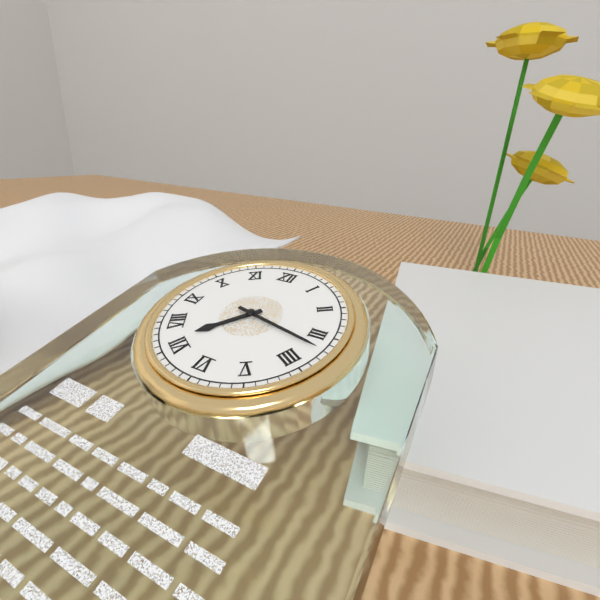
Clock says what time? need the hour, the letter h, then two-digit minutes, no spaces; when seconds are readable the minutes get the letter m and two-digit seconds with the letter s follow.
7h17
